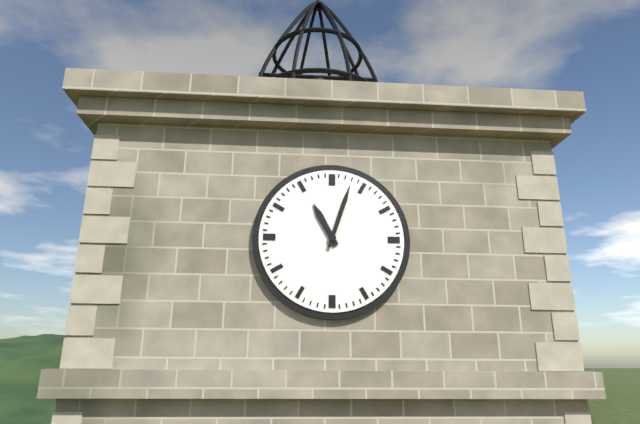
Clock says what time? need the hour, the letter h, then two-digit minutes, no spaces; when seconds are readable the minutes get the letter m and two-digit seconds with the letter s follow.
11h03
